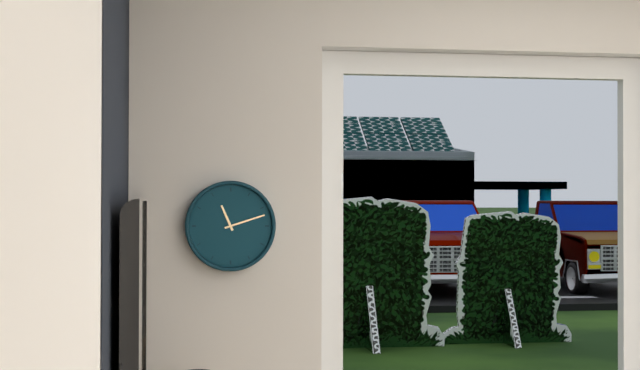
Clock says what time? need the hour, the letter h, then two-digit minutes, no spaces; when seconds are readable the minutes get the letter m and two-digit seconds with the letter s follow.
11h12
